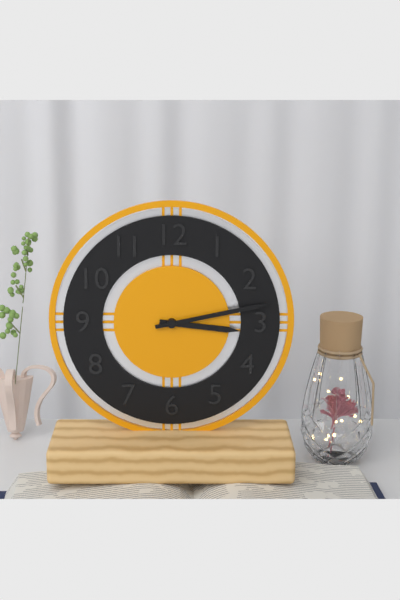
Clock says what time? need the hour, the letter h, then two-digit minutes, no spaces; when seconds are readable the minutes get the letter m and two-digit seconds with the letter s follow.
3h13
